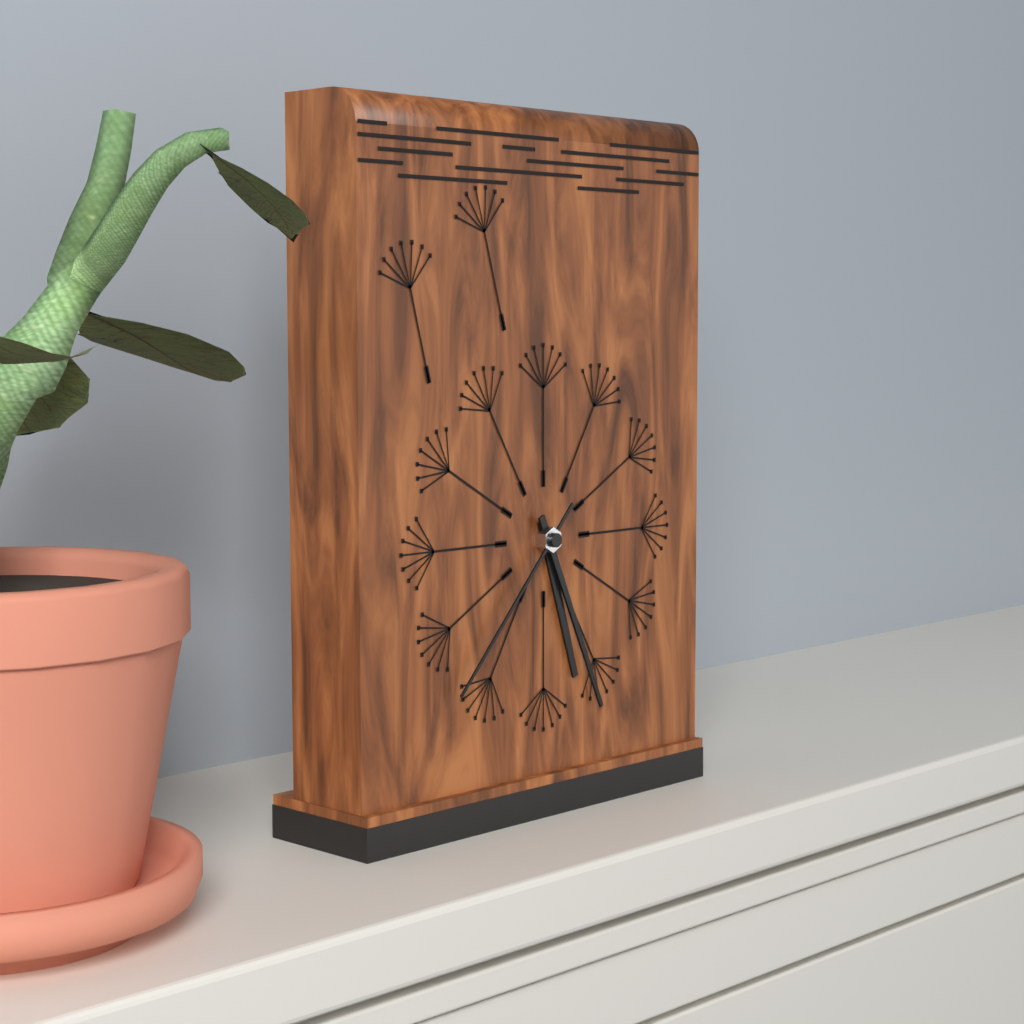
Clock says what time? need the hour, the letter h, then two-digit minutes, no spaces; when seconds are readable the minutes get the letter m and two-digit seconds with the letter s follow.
5h26m37s
